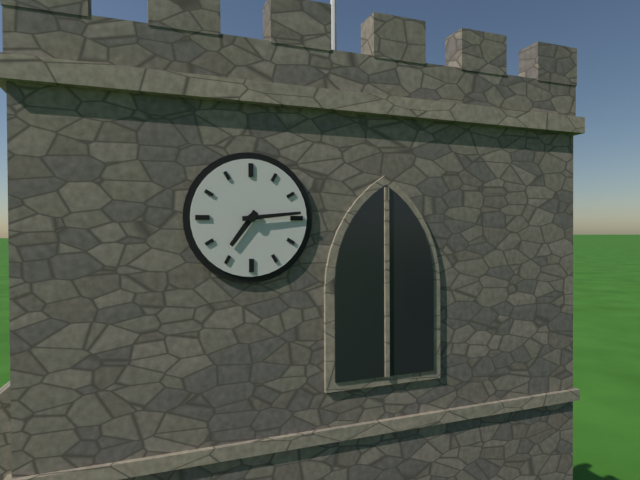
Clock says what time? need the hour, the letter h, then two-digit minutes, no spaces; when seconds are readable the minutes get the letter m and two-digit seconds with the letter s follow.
7h14
